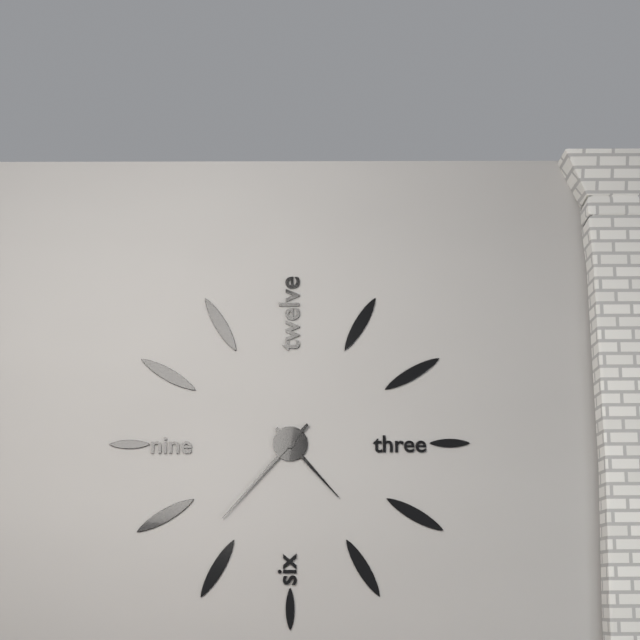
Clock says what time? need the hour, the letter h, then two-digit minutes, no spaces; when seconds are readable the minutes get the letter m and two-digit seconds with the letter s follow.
4h37
